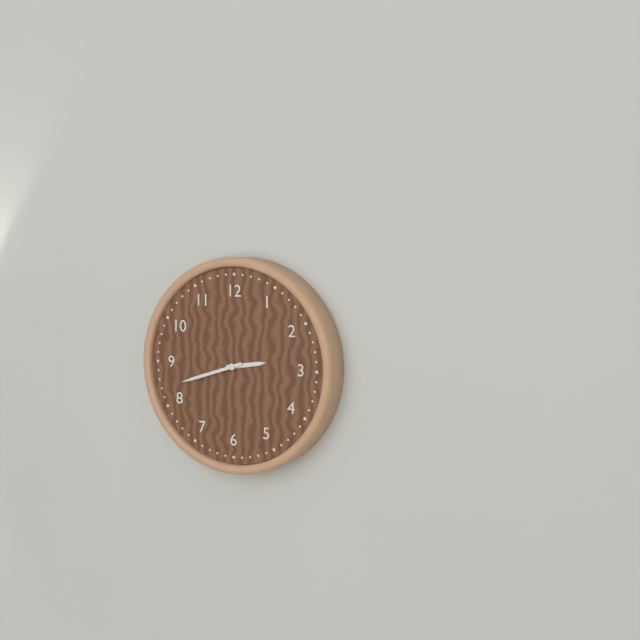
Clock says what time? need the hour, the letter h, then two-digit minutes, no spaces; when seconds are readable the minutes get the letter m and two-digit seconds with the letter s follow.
2h42
